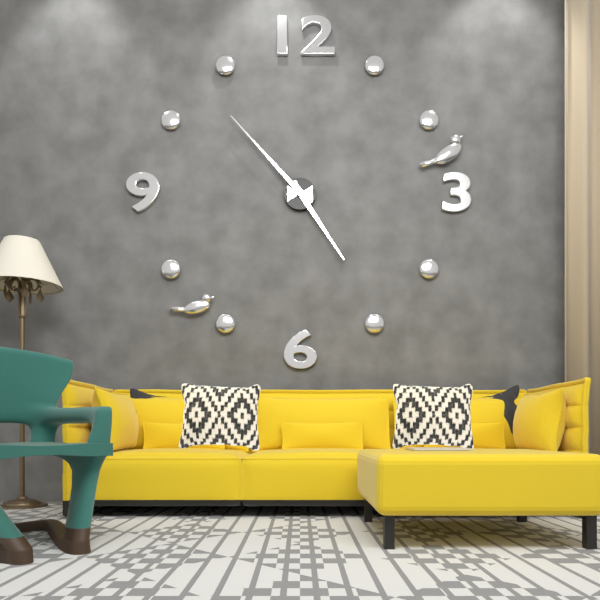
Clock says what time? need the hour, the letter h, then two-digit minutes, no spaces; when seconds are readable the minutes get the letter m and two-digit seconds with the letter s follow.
4h53
